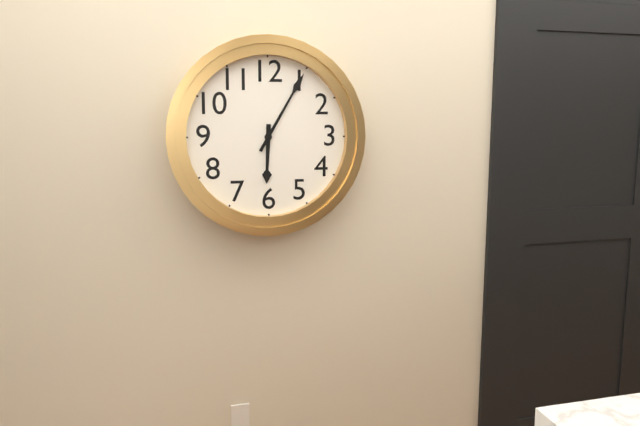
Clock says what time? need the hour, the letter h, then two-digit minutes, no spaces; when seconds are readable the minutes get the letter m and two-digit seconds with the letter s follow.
6h05
